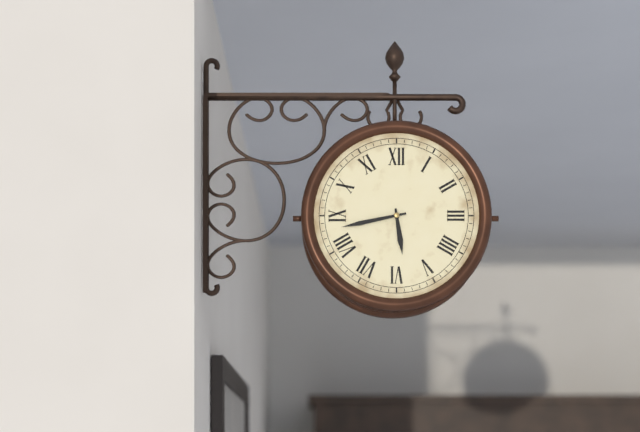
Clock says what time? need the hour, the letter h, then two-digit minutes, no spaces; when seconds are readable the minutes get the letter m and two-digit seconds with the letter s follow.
5h43
